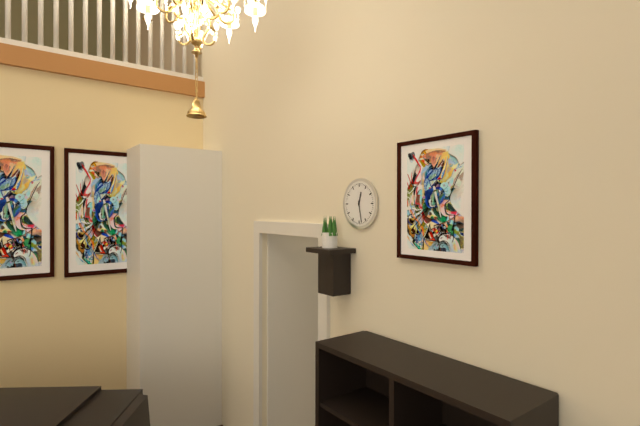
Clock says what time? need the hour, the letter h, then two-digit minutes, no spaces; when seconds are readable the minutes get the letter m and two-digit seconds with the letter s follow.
12h28
